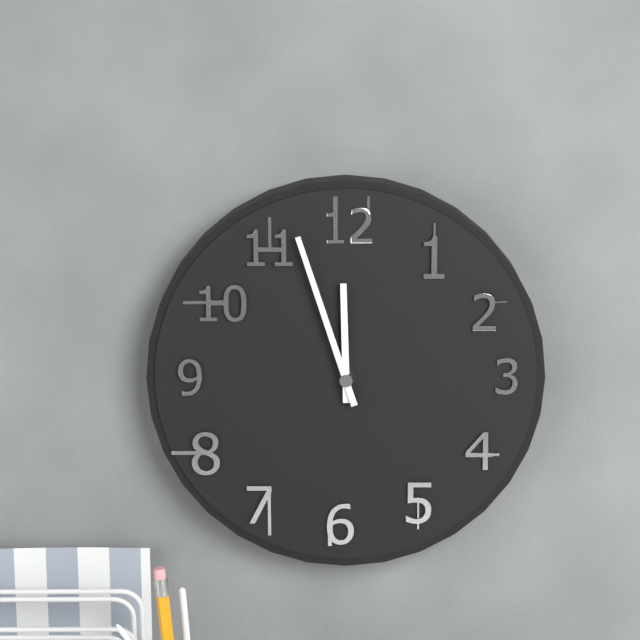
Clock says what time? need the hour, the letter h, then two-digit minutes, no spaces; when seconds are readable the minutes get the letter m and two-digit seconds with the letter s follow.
11h57
